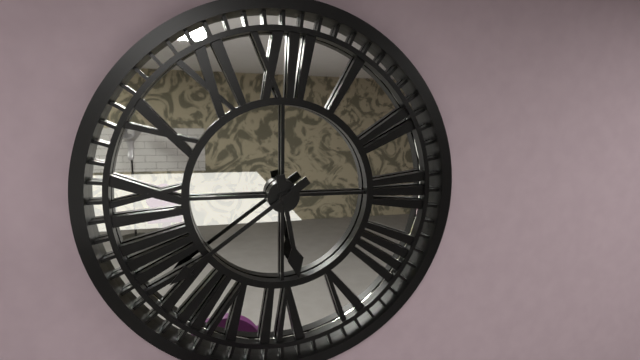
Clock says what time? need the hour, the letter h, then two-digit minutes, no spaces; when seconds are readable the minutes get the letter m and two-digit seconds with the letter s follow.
5h39
